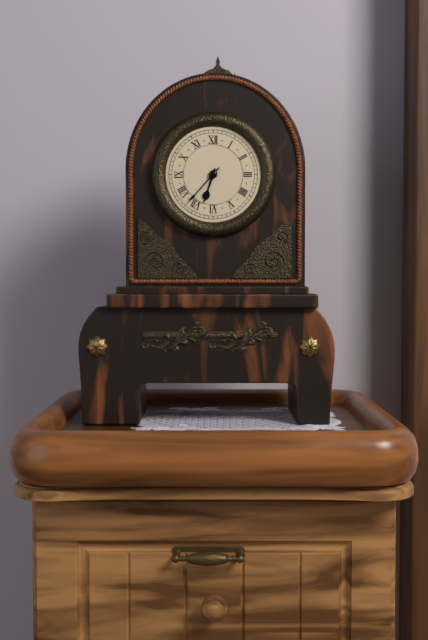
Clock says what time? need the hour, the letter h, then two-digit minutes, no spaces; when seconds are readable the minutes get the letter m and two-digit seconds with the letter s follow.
6h37
